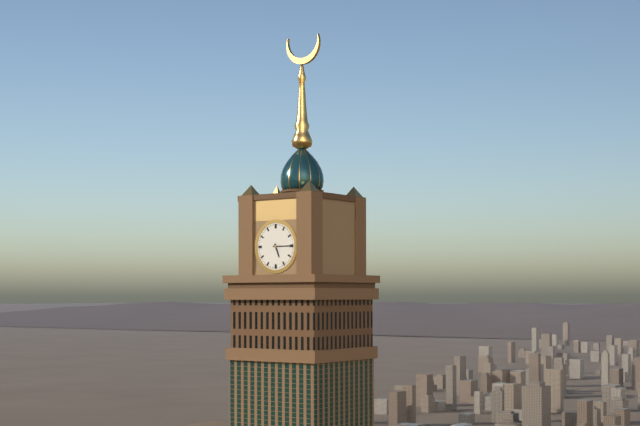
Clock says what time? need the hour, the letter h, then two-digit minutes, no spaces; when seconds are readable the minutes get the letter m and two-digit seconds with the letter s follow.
5h15
